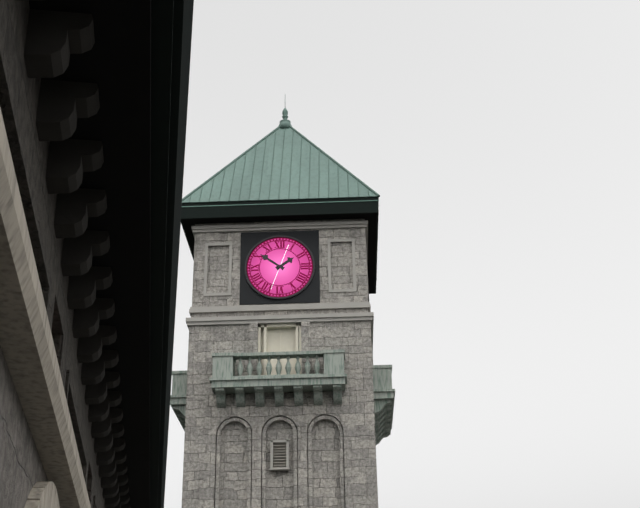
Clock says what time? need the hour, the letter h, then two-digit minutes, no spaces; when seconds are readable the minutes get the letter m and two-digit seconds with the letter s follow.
1h51
